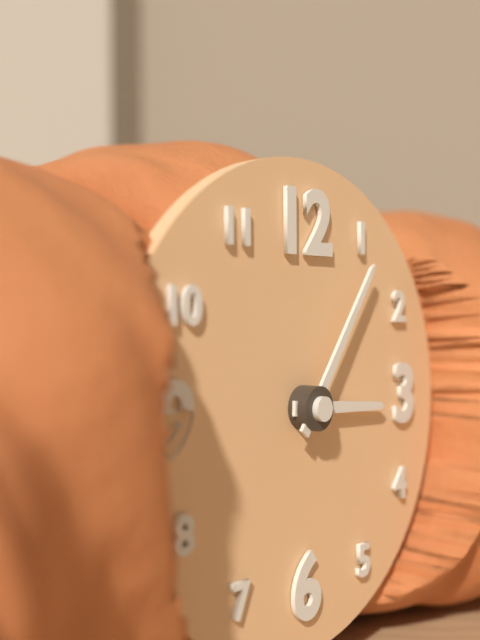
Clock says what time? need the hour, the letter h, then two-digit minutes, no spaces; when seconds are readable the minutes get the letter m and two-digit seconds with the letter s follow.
3h06
